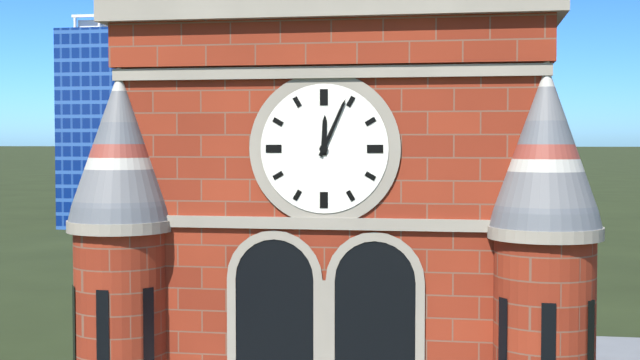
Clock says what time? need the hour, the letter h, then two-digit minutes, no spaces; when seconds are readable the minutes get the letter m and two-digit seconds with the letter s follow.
12h04
